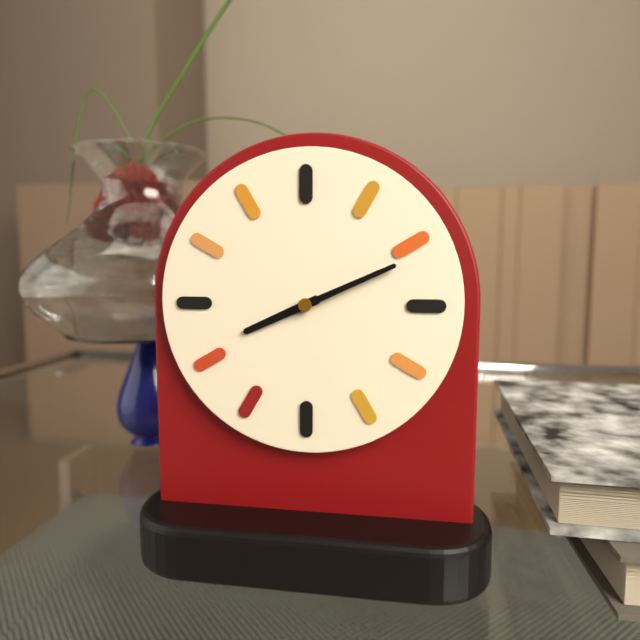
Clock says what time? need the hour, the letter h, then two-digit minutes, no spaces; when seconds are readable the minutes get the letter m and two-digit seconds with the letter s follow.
8h11
